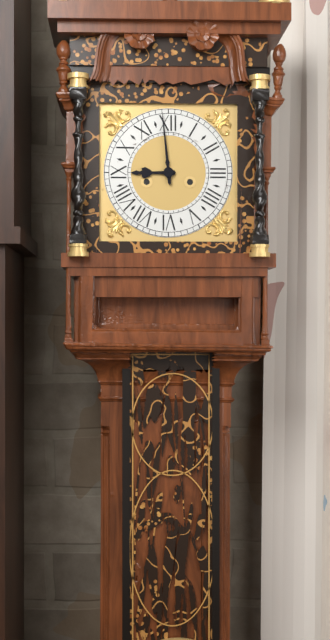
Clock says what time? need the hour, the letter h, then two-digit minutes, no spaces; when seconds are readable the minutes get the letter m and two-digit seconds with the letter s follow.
8h59
